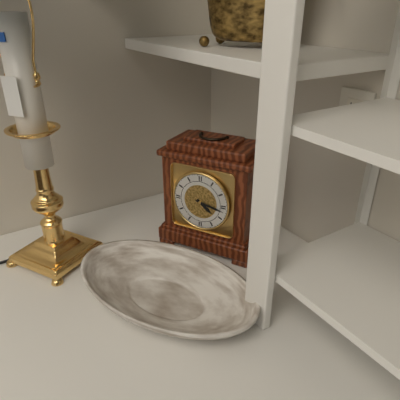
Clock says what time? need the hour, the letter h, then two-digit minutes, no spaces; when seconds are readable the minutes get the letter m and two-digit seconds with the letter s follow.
4h17
